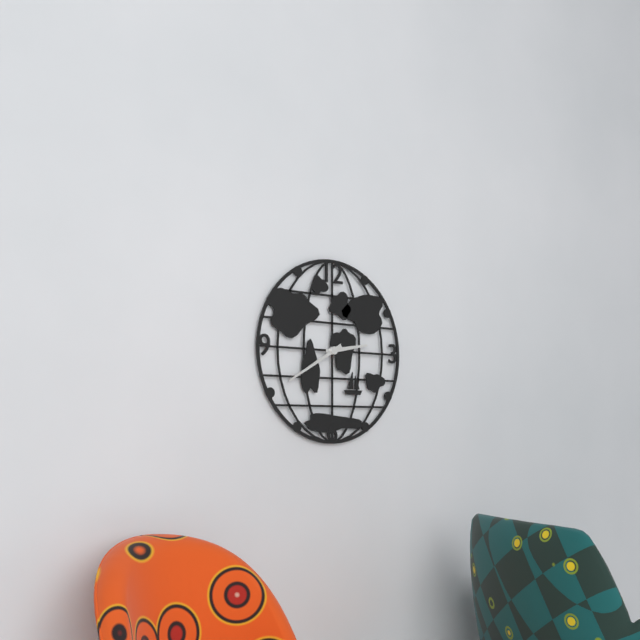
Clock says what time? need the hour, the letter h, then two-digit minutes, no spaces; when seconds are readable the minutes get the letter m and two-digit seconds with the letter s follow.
2h40
